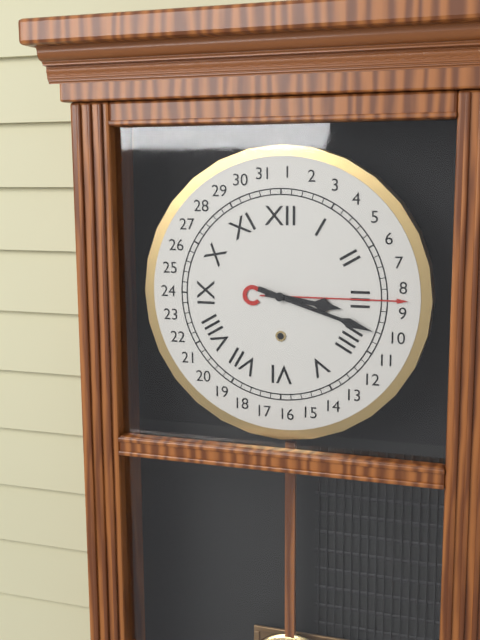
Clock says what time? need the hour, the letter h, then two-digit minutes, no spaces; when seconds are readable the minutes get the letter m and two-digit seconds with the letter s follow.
3h18
